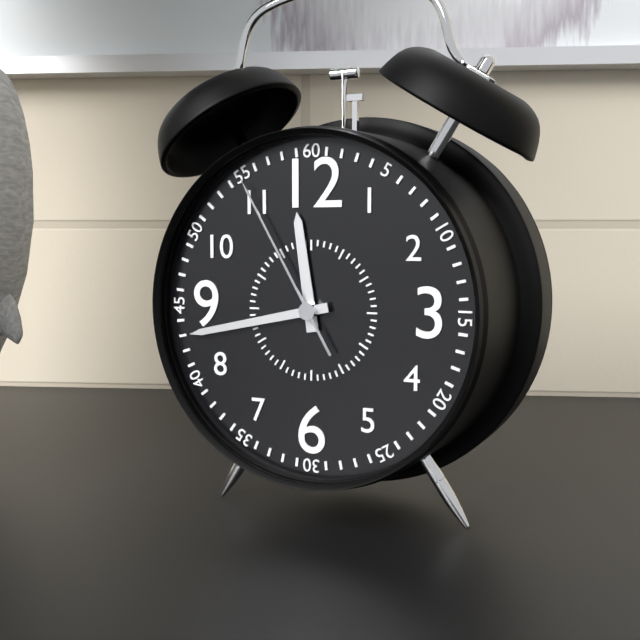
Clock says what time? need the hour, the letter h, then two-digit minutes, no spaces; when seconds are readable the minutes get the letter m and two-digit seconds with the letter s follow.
11h43m55s
